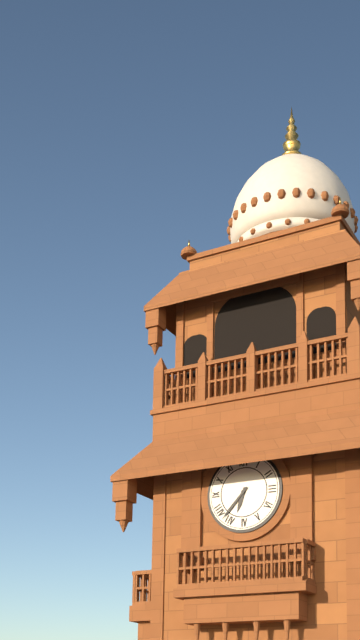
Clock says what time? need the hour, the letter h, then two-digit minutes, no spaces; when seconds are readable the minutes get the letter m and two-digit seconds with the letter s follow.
6h37
